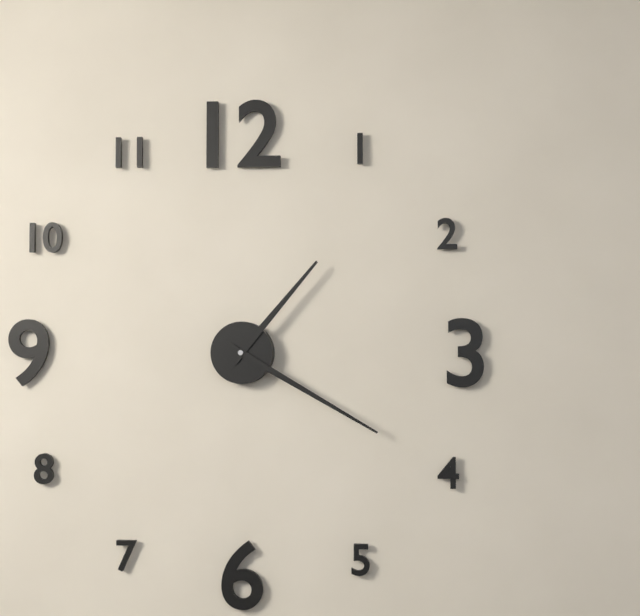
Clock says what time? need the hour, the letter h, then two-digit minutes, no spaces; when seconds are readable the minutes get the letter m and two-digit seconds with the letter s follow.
1h20
